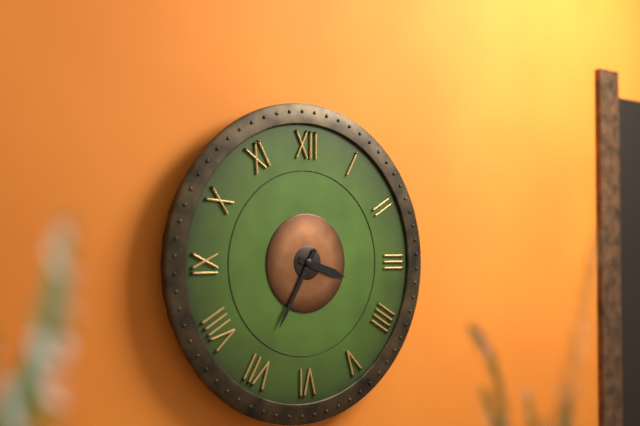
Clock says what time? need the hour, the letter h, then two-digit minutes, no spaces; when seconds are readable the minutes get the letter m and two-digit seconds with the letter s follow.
3h35
